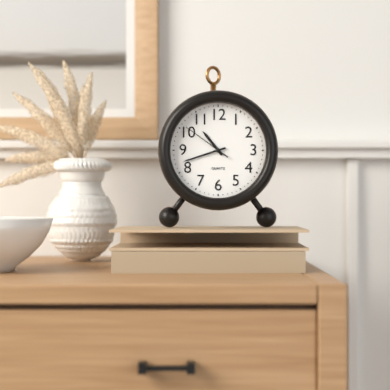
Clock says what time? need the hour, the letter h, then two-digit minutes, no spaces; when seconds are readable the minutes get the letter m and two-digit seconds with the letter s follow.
10h42
